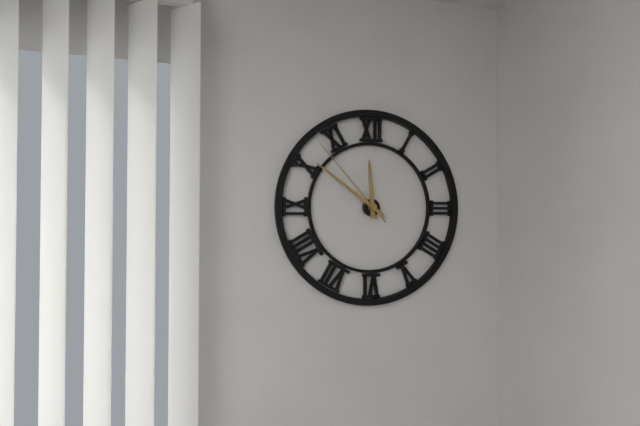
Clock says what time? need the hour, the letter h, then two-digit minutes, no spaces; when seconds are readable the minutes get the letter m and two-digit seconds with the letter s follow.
11h51m53s
